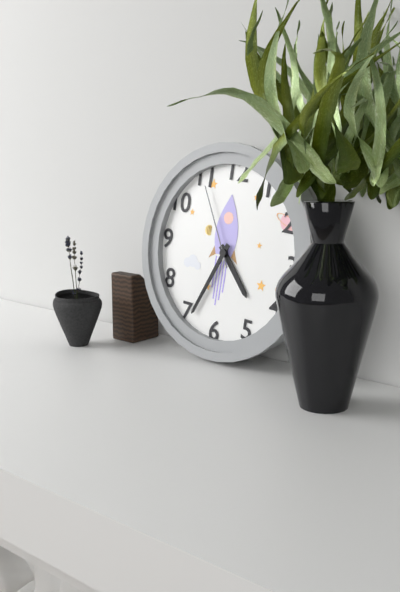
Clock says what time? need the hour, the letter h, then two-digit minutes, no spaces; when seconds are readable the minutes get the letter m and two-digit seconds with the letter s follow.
4h34m55s
